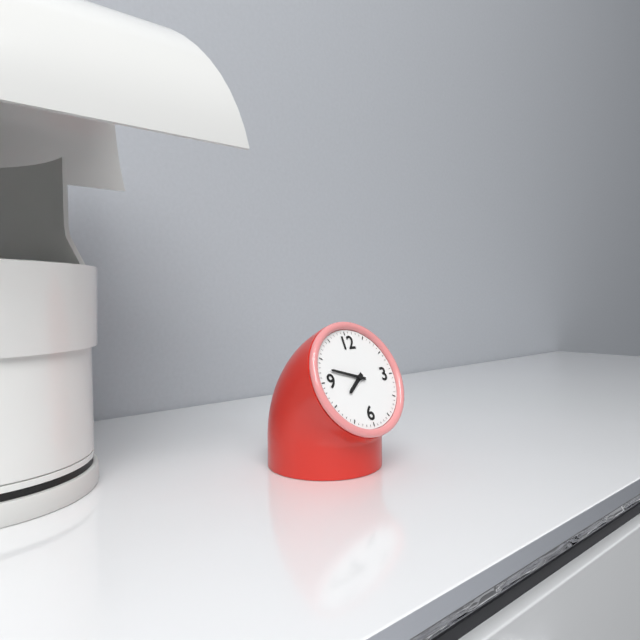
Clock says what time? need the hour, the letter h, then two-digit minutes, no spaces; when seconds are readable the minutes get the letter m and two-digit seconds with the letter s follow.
7h48
